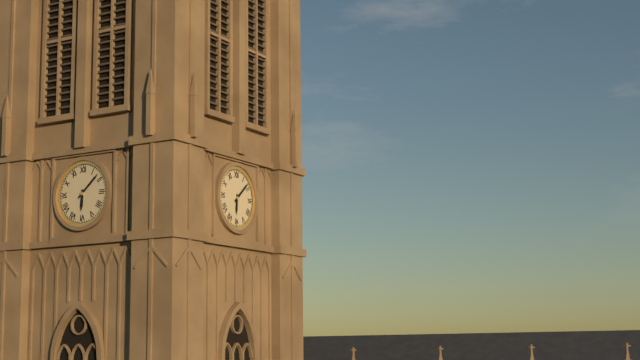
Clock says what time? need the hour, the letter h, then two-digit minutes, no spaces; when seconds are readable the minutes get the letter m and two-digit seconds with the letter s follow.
6h08
